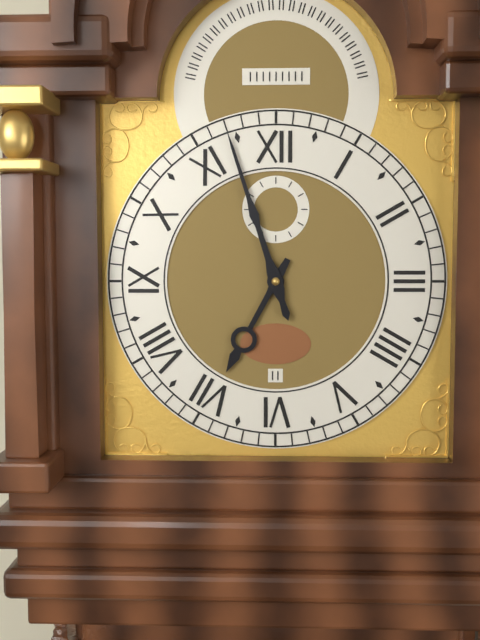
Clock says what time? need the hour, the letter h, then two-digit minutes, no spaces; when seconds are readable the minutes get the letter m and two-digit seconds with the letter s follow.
6h57
